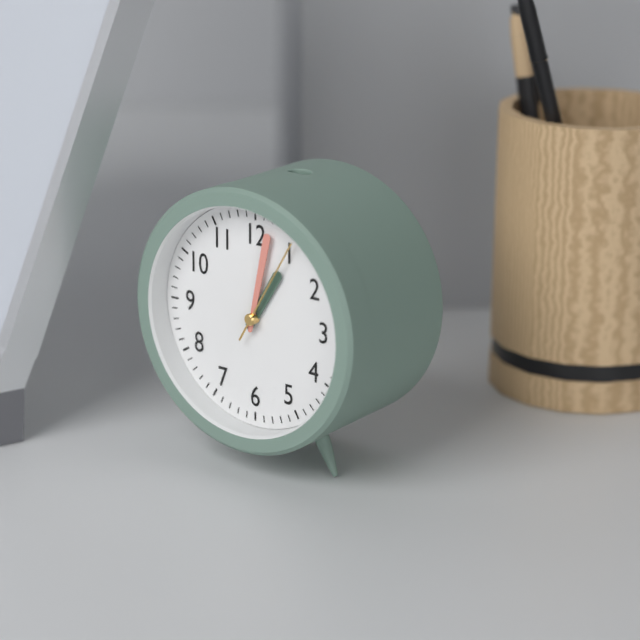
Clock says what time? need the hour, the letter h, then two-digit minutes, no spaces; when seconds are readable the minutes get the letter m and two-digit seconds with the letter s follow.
1h02m05s
